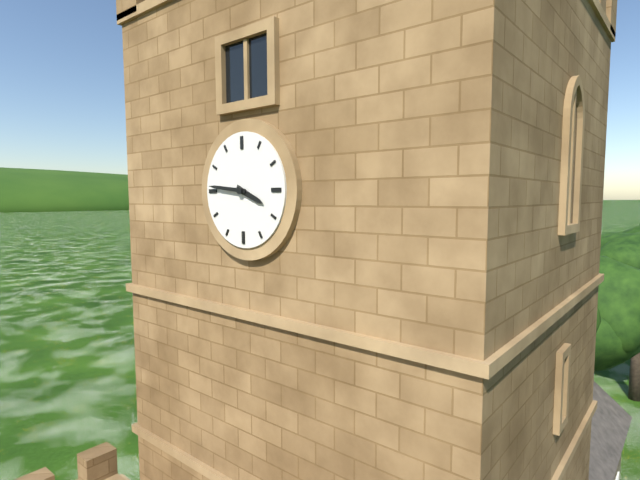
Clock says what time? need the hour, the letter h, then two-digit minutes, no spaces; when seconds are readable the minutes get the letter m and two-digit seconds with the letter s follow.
3h46
